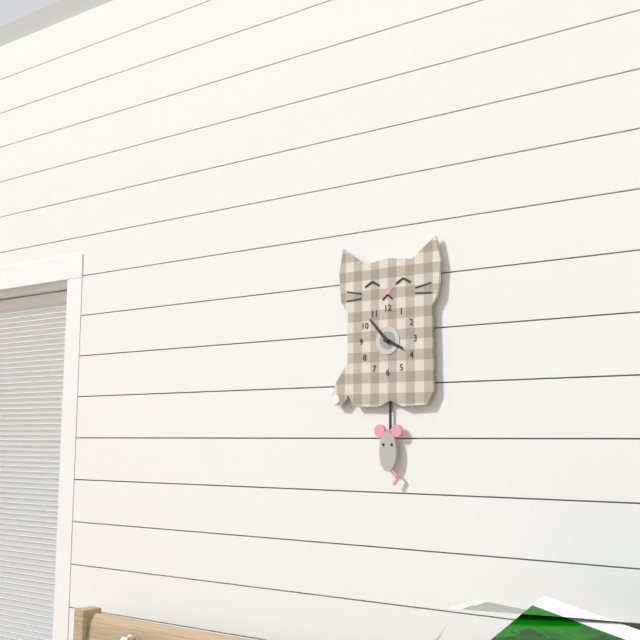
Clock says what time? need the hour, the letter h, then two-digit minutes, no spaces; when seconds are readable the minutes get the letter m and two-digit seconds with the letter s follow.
3h53
